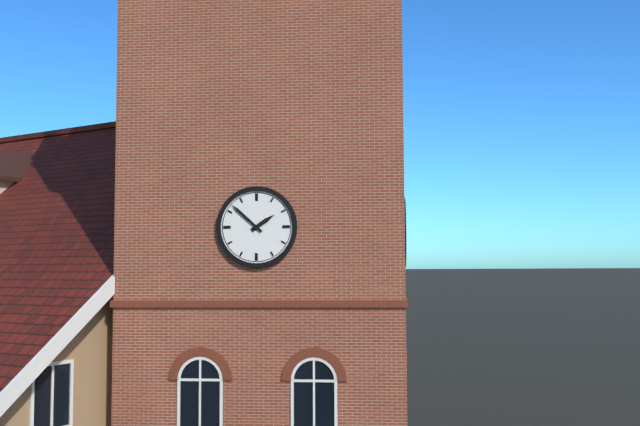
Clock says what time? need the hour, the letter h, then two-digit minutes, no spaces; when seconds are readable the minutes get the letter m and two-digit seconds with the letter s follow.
1h52
